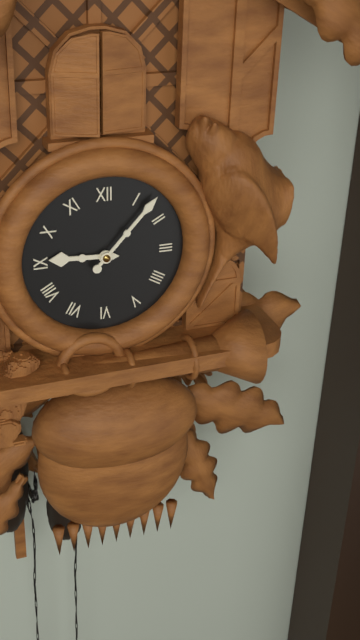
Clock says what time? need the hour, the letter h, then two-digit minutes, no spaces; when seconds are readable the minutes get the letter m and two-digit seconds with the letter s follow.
9h07
